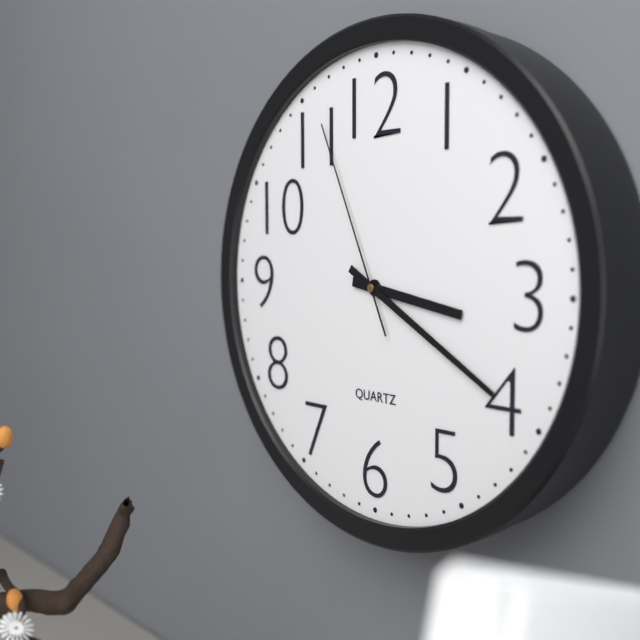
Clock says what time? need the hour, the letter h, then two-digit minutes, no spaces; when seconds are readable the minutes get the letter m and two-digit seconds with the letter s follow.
3h20m56s
